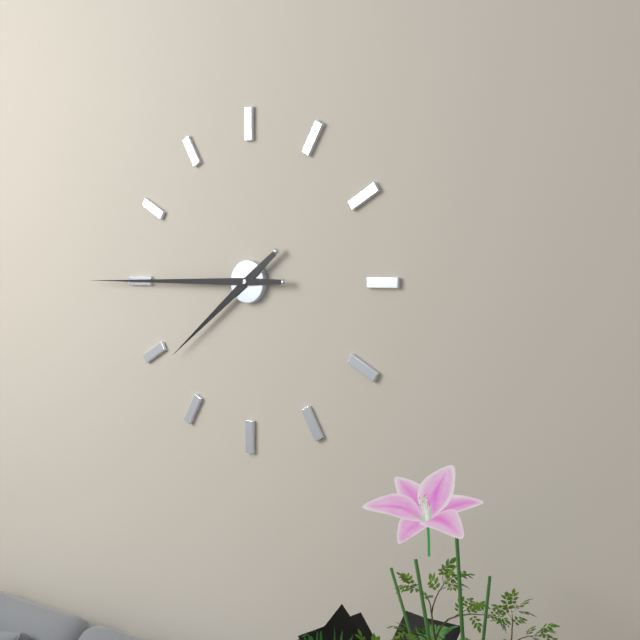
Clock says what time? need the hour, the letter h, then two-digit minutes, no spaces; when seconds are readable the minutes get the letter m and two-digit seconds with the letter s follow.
7h45
